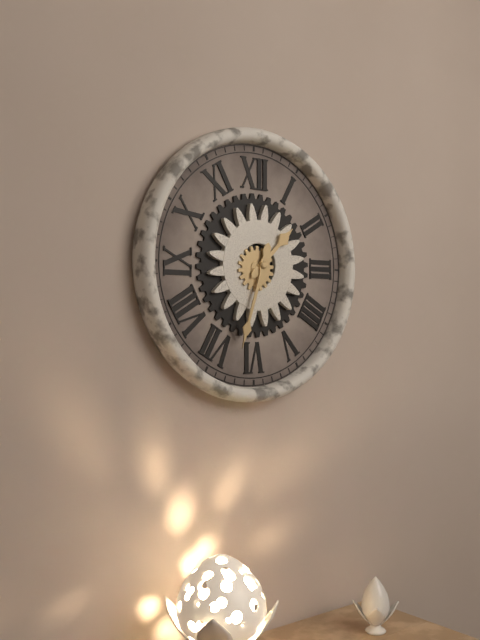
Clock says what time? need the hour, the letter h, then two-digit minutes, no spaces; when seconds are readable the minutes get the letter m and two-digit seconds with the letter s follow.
1h33
